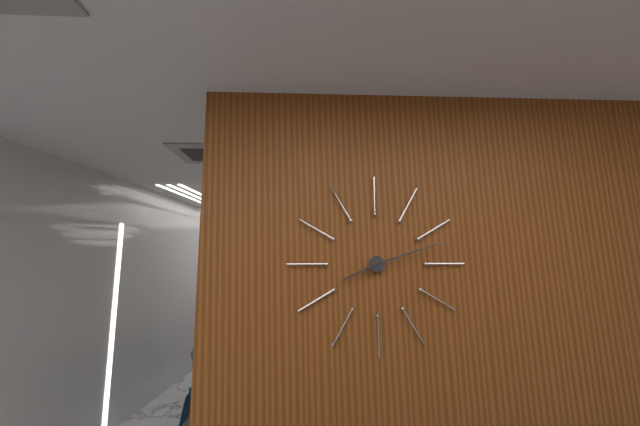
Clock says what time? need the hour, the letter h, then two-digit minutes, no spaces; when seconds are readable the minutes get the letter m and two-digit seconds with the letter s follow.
8h12
